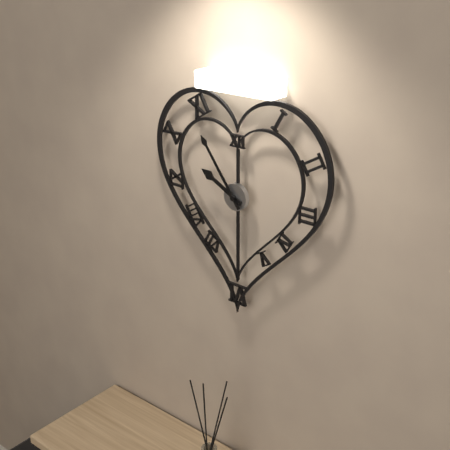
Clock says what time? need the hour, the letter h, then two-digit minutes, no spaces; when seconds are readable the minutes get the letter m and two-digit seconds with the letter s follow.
9h54
